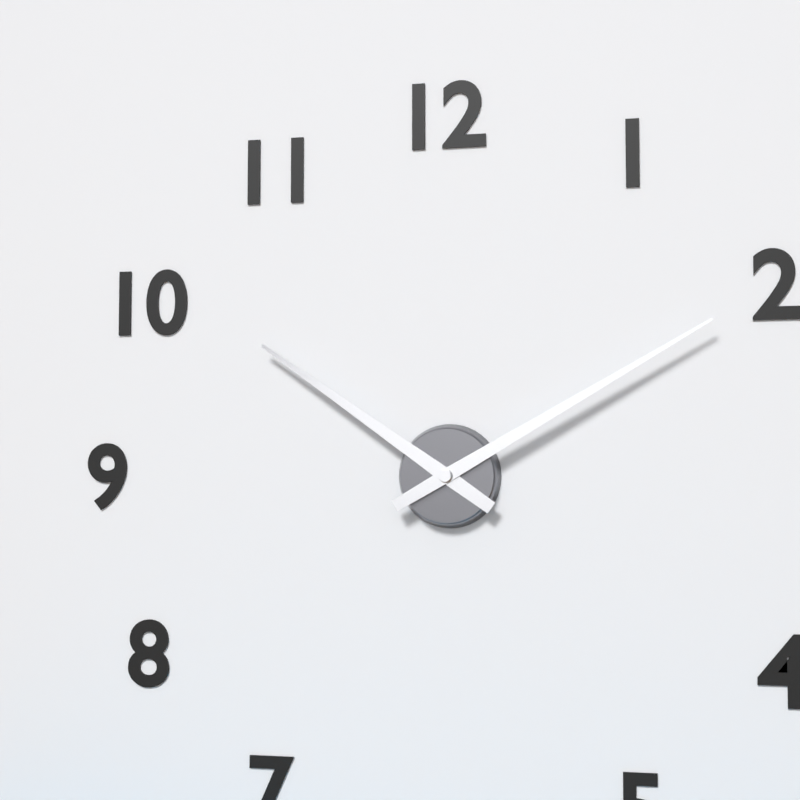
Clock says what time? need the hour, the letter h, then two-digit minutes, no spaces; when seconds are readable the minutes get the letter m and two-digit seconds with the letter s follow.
10h10
